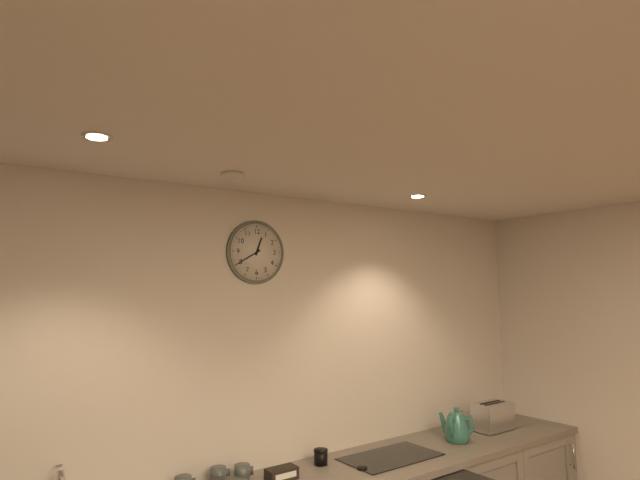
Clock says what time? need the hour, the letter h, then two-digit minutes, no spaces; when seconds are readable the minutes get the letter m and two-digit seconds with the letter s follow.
12h40
